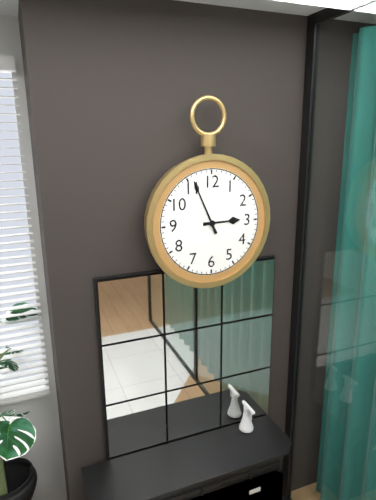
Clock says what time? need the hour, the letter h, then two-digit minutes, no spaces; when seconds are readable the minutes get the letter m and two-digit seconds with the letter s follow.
2h56
